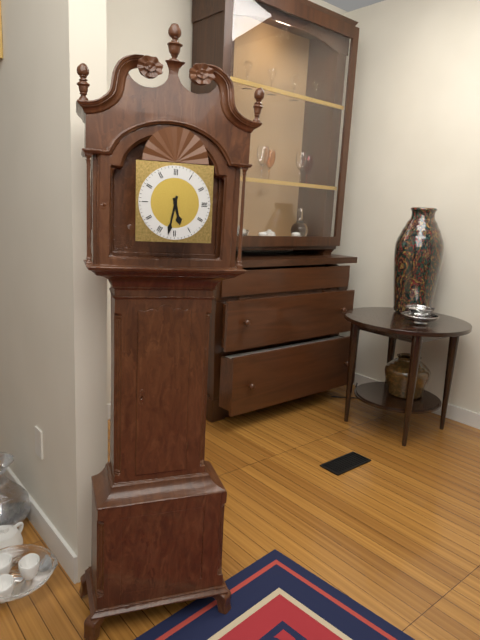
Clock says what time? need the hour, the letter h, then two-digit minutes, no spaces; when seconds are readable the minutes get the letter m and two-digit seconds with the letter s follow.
5h32
